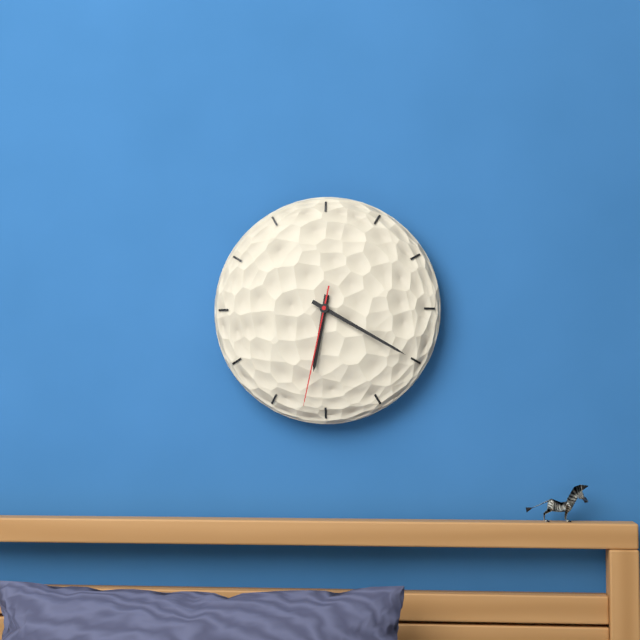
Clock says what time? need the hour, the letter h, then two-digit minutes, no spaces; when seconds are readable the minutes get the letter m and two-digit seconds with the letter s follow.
6h20m32s
